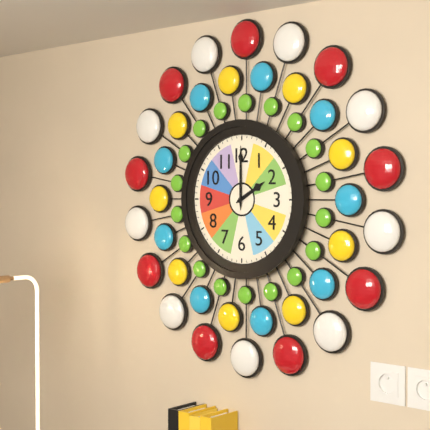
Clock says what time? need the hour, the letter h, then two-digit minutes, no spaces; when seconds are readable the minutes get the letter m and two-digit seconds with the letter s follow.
2h00
